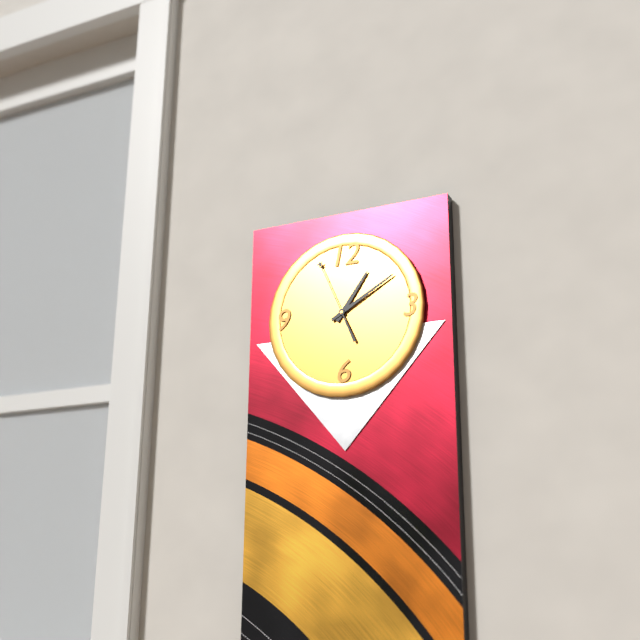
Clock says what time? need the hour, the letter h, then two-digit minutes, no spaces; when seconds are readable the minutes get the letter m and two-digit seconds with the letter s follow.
1h10m56s
